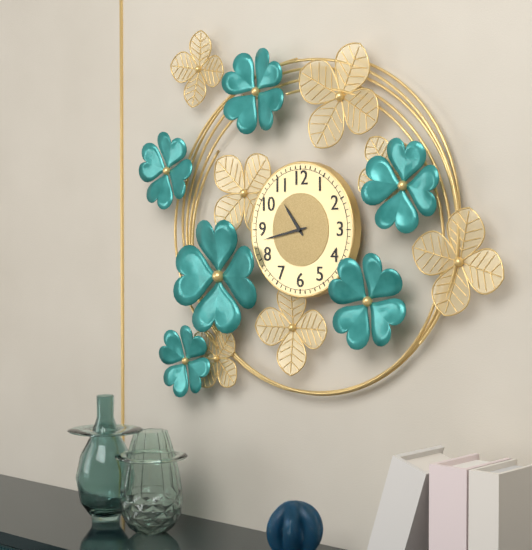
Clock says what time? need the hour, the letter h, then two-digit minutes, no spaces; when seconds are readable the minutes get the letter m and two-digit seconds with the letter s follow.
10h43
